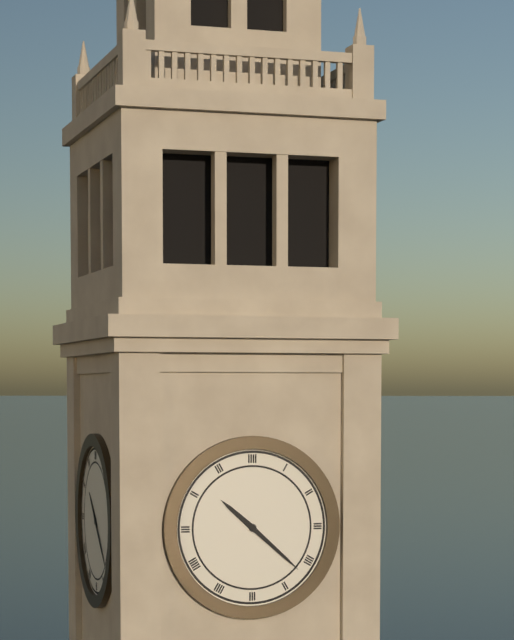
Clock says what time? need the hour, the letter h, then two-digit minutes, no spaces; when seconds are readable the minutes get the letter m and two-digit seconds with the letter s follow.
10h22
